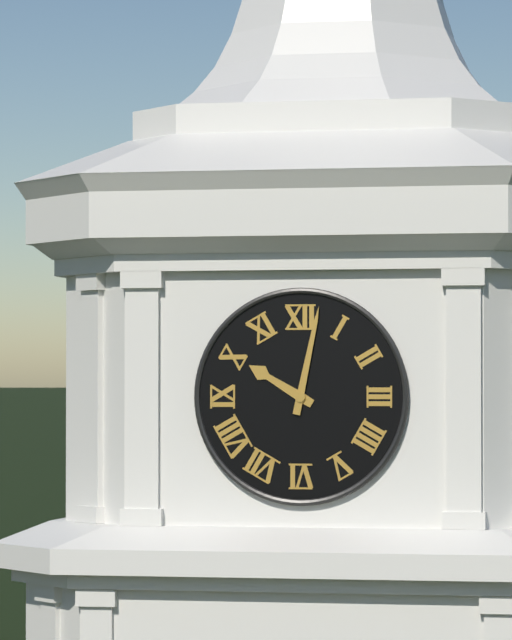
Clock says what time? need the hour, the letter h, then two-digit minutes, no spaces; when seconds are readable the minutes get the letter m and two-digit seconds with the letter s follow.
10h02
